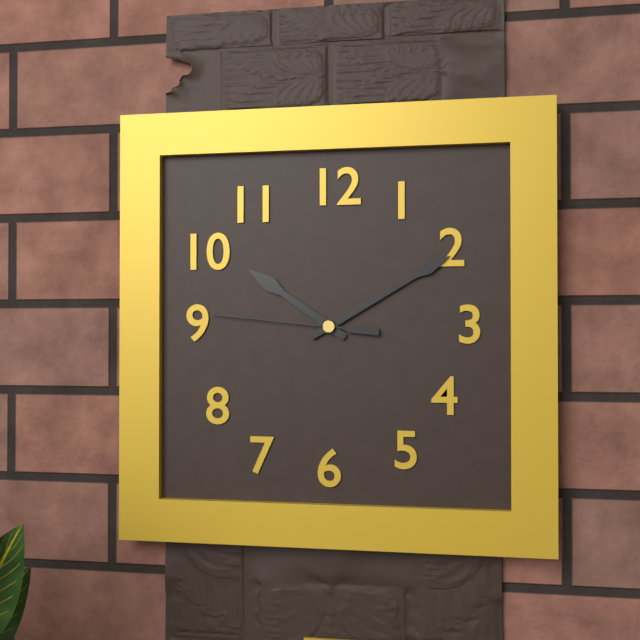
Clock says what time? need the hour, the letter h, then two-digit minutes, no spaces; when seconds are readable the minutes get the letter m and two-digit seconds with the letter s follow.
10h10m46s
